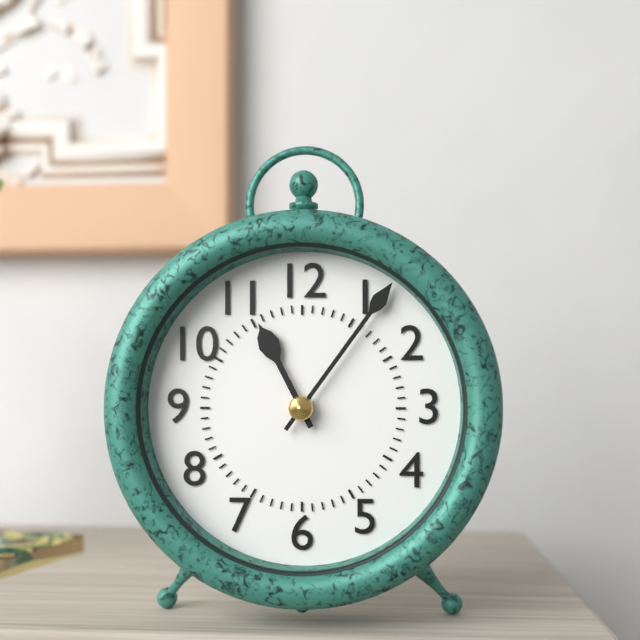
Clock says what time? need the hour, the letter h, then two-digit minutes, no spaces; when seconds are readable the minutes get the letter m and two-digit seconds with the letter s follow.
11h06
